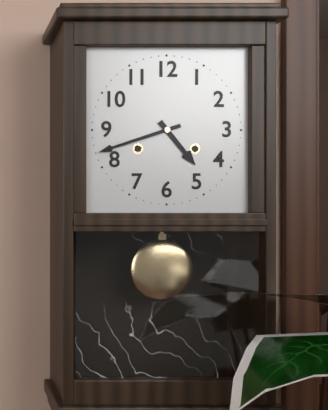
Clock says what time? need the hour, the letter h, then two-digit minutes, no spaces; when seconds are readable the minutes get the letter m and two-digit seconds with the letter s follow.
4h42
